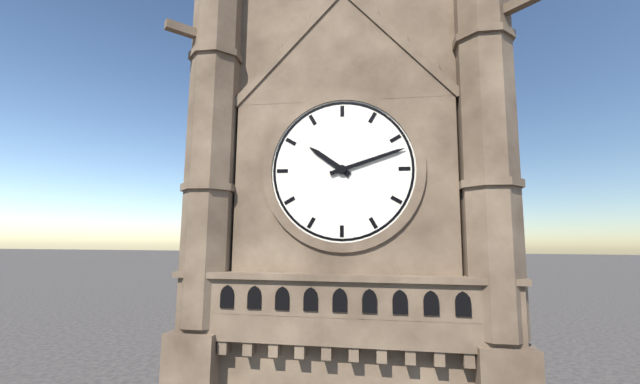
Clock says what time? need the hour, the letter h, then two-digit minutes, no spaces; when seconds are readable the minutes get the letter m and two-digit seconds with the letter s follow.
10h12
